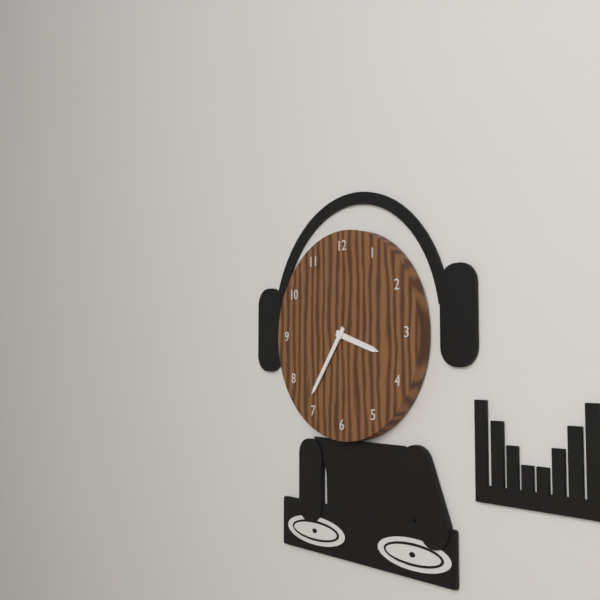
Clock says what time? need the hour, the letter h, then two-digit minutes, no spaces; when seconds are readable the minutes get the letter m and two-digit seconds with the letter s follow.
3h36
